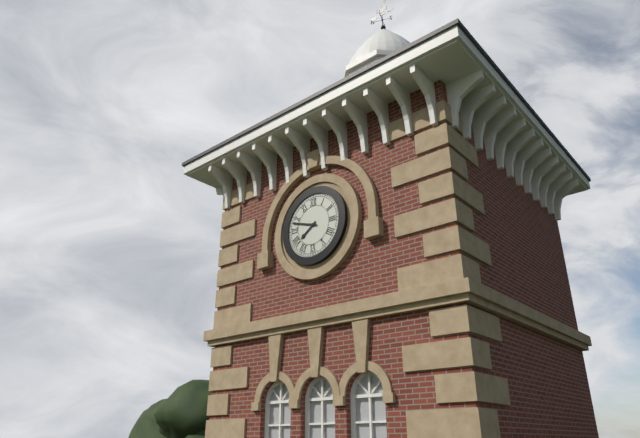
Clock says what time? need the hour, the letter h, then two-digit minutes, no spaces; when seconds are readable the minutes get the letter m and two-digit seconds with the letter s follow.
7h48
